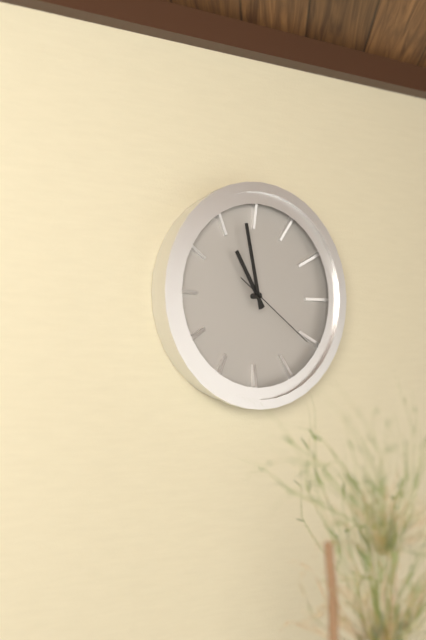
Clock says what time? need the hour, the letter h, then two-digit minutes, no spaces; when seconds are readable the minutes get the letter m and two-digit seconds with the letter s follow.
10h58m21s
